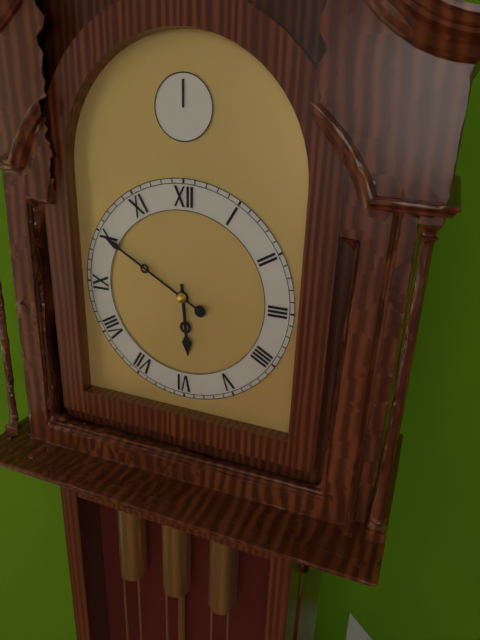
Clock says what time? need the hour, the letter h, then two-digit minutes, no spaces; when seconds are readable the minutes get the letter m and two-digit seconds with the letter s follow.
5h50
